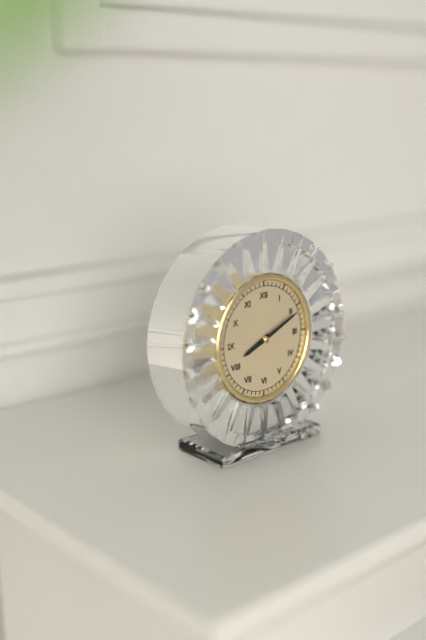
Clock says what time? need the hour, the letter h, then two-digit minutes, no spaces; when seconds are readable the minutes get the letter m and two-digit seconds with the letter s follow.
8h11
